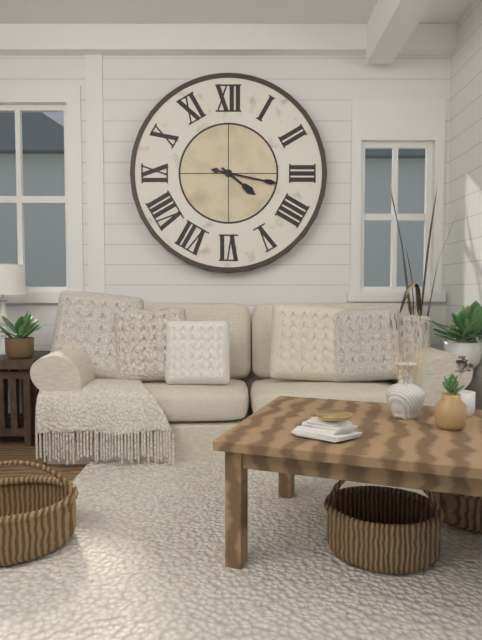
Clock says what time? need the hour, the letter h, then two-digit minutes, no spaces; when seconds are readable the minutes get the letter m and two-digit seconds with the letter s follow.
4h17
